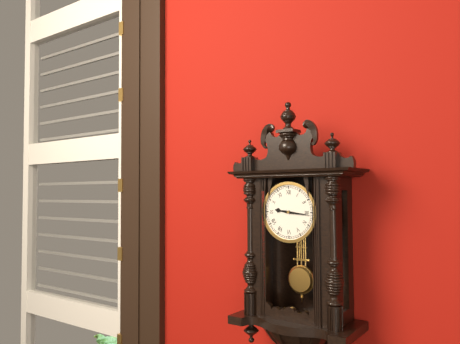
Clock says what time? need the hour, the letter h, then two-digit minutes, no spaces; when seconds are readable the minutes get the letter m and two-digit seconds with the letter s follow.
9h16
